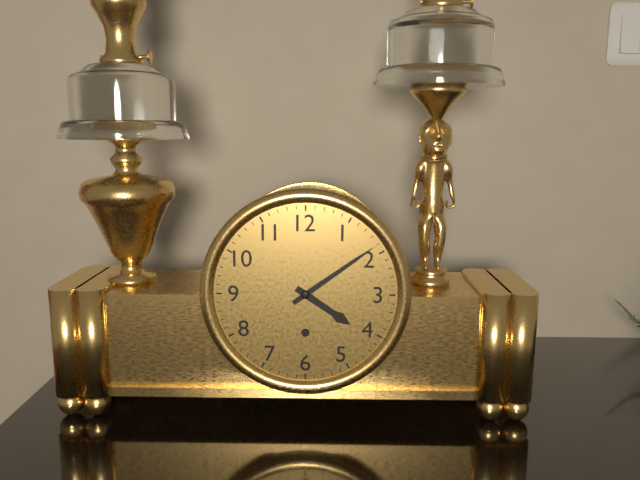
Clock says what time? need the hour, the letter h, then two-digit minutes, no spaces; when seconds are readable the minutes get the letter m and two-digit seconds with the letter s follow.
4h09
